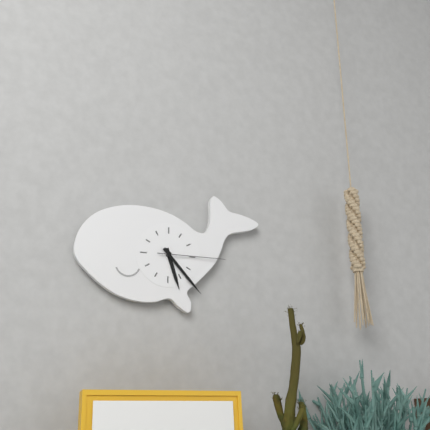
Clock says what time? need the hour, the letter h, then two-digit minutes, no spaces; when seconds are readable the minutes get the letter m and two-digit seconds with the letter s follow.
5h23
